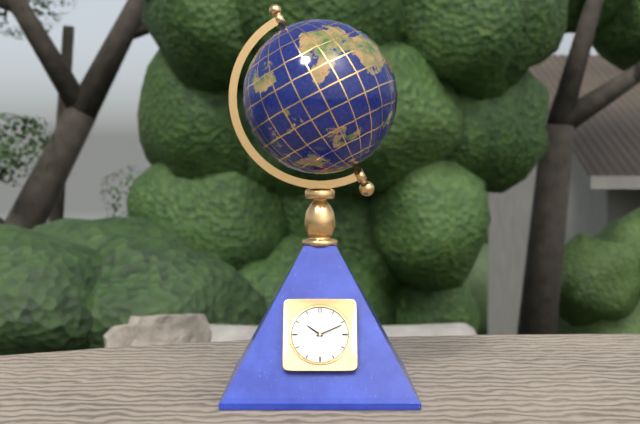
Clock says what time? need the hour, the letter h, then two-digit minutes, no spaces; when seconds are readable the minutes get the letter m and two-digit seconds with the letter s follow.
10h11
